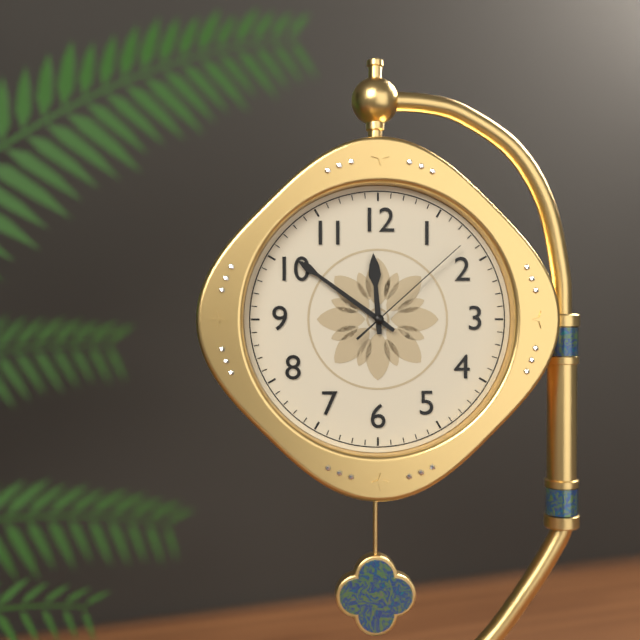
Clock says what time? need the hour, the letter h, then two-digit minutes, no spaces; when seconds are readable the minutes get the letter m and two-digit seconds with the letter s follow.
11h51m08s
